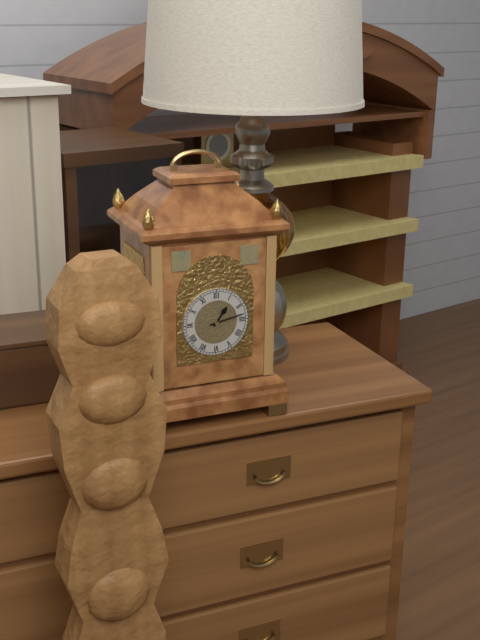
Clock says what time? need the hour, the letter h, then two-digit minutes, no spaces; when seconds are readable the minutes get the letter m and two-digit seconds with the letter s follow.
1h13
